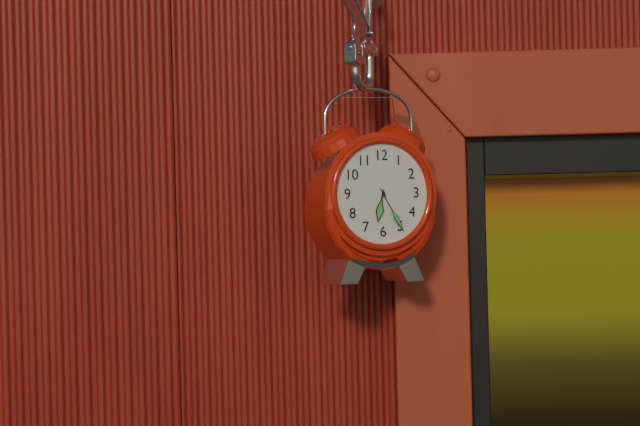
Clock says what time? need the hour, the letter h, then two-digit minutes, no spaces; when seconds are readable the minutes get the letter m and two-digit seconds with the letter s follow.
6h25
